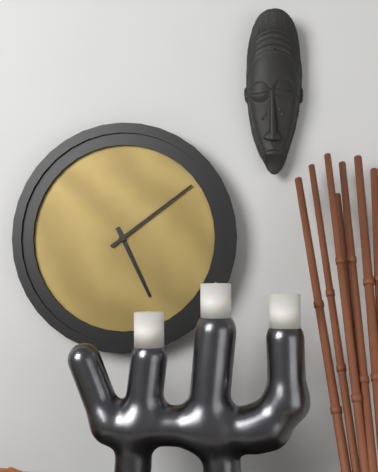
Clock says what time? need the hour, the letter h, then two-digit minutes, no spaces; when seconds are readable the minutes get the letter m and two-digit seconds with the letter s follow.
5h09
